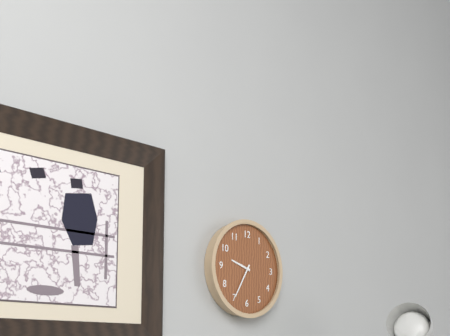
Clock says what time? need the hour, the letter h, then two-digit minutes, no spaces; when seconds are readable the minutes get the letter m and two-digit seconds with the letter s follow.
9h35
